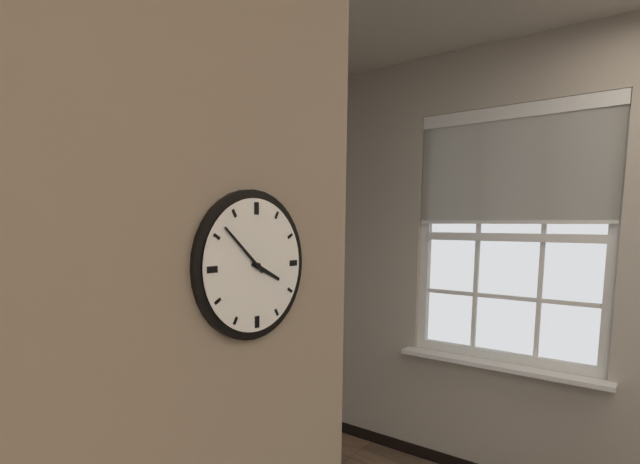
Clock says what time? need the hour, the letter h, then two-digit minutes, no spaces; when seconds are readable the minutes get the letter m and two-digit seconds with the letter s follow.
3h52
